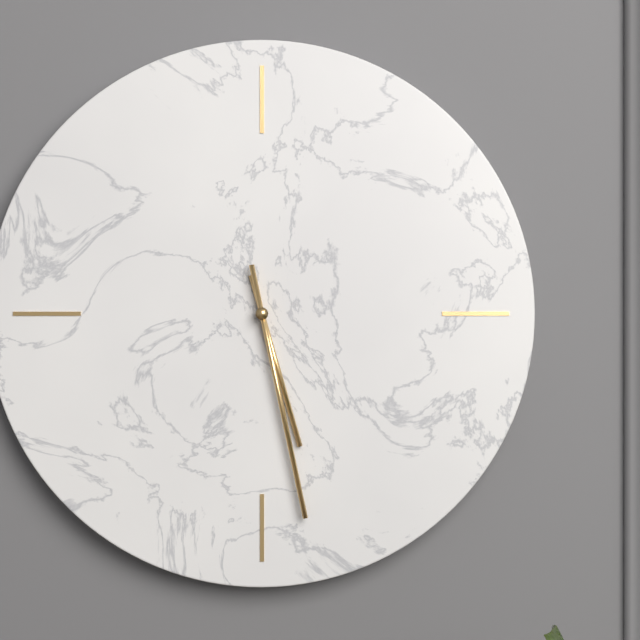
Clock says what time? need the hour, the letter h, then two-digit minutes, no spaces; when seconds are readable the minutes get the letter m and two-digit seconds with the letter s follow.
5h28
